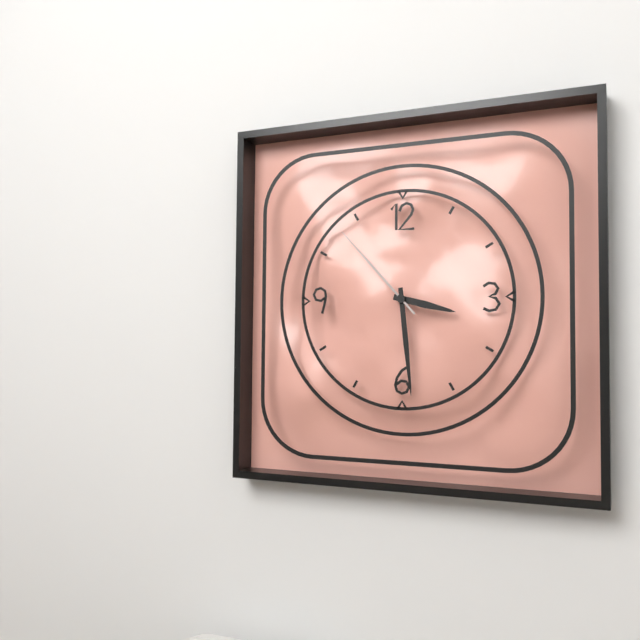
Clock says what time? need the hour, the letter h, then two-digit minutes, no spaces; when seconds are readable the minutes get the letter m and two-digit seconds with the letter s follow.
3h29m53s
